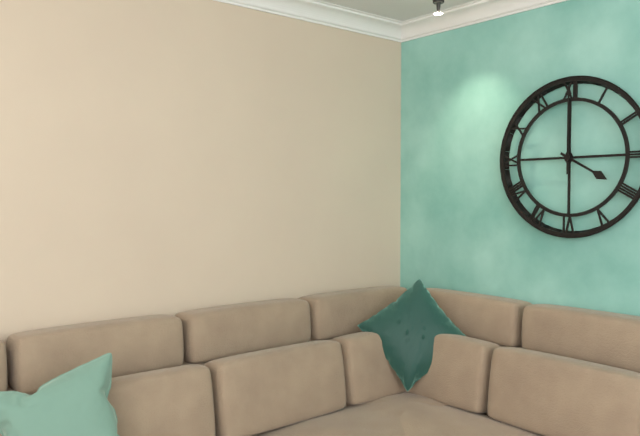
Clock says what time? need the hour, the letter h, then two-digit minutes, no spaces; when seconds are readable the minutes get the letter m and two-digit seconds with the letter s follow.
4h00
